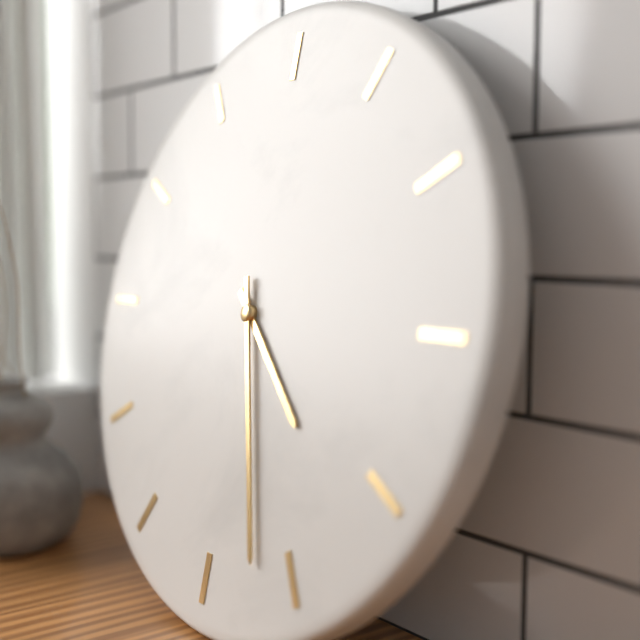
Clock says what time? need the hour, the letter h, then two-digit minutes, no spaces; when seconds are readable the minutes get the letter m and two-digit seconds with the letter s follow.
4h27
